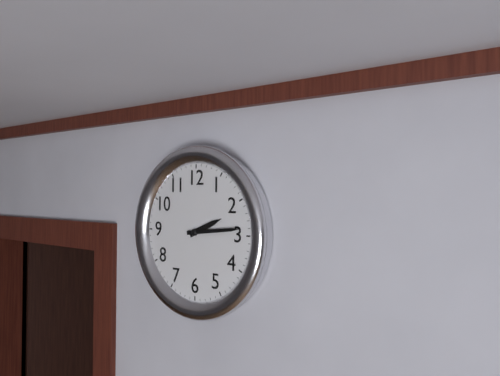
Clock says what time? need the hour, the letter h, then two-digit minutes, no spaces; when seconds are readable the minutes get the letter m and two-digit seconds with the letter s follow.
2h14
